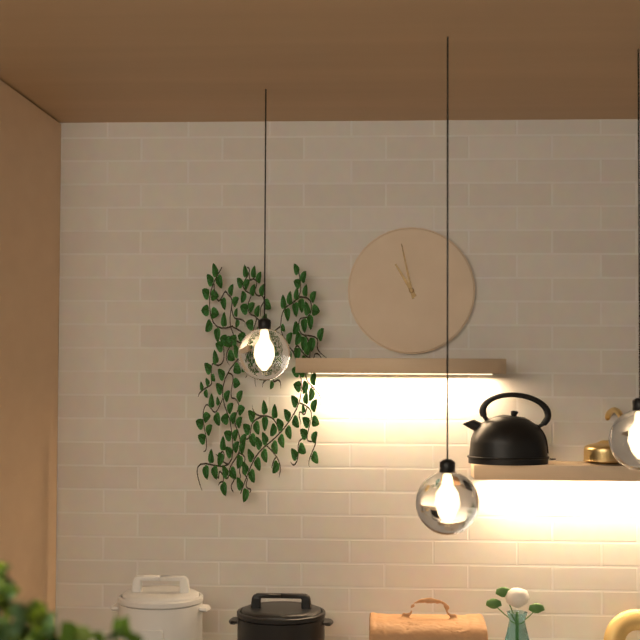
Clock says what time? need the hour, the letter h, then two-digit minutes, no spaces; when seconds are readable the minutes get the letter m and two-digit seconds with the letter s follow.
10h58
